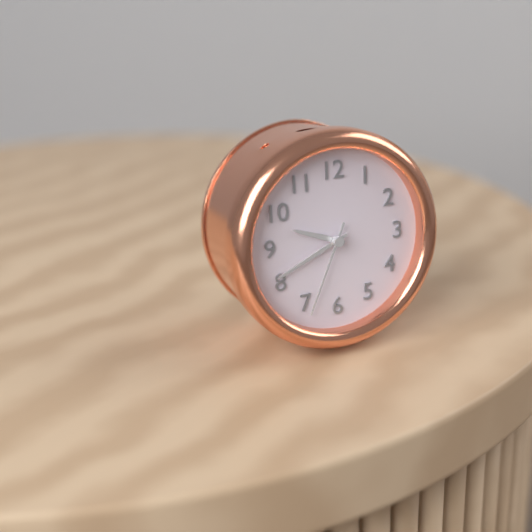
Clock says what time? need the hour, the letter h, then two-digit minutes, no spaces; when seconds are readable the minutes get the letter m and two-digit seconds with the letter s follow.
9h41m34s
